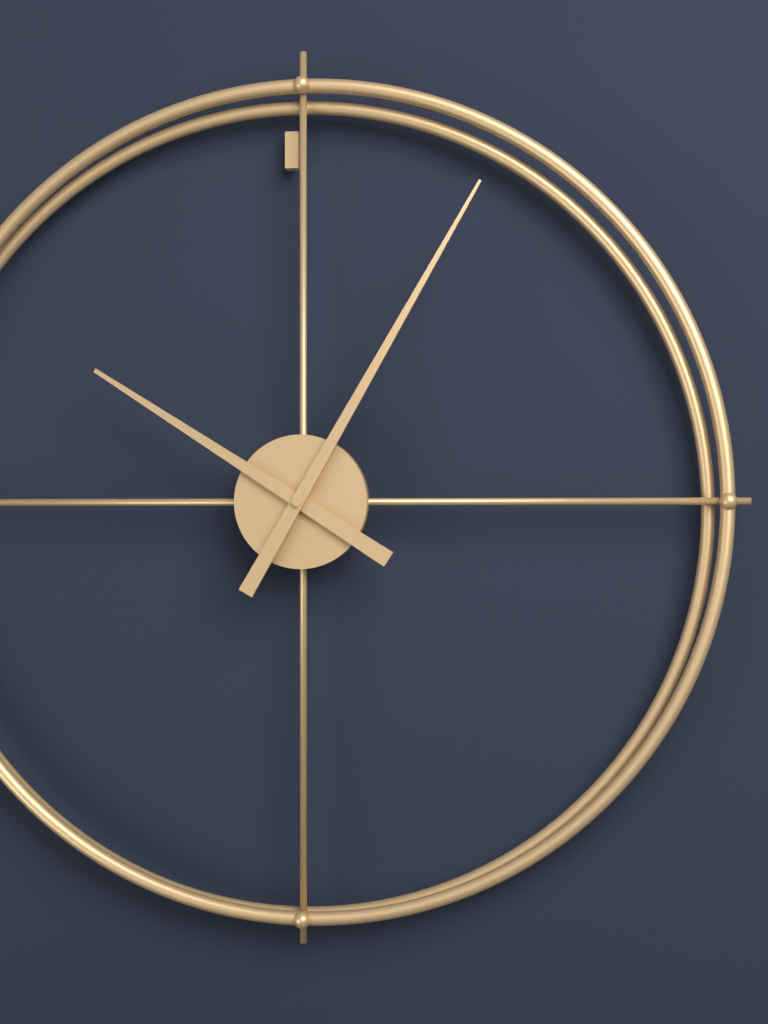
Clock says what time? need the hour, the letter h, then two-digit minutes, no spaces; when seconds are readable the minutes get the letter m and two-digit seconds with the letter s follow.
10h05
